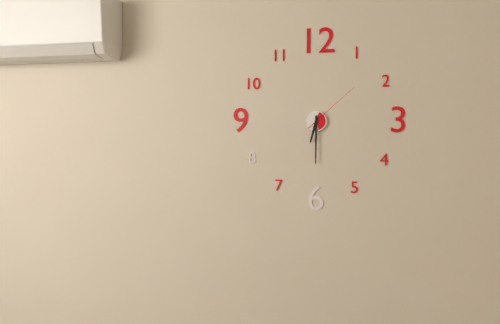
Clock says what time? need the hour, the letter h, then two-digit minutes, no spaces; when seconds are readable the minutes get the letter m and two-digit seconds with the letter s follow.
6h30m08s
